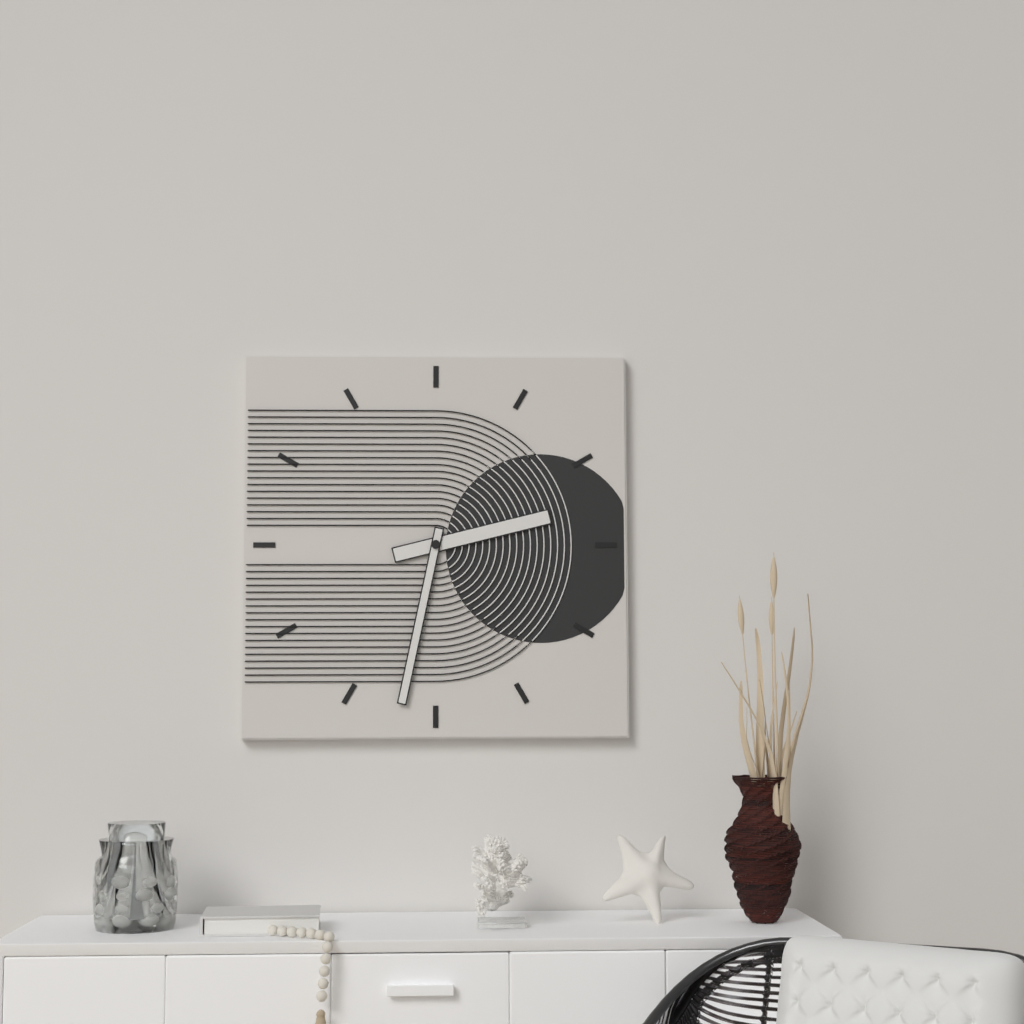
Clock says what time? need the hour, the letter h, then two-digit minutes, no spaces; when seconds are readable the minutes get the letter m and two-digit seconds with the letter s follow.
2h32
